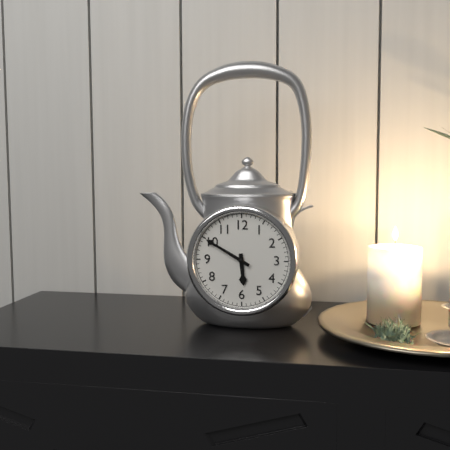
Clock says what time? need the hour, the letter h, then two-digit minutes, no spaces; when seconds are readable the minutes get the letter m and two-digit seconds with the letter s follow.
5h50
